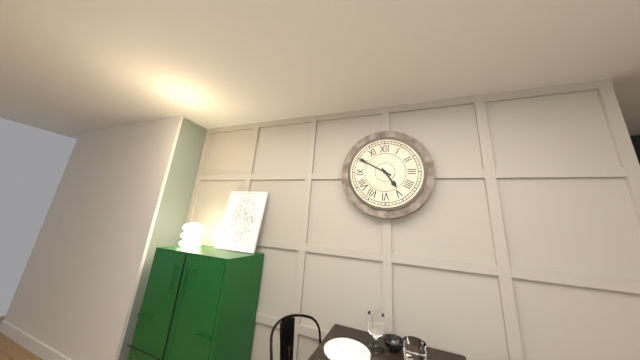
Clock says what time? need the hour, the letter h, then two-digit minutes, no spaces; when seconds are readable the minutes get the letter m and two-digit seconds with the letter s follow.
4h50
